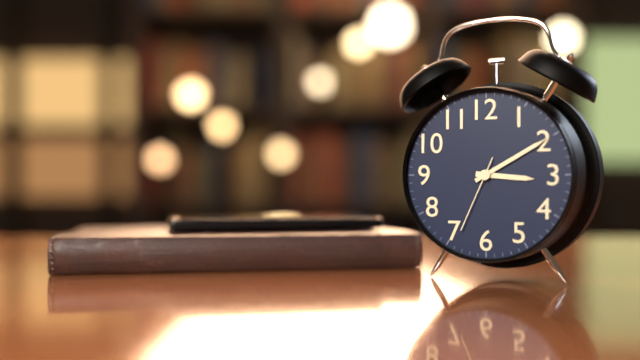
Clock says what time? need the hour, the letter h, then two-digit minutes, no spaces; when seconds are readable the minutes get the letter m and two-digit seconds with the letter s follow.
3h10m34s
